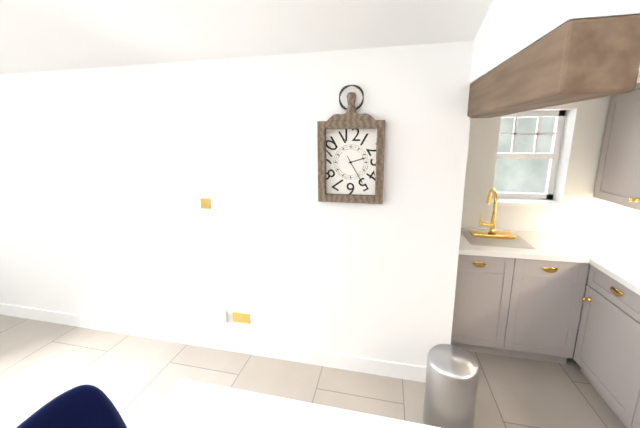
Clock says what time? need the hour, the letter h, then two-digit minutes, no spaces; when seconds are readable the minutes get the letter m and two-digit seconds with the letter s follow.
2h25
